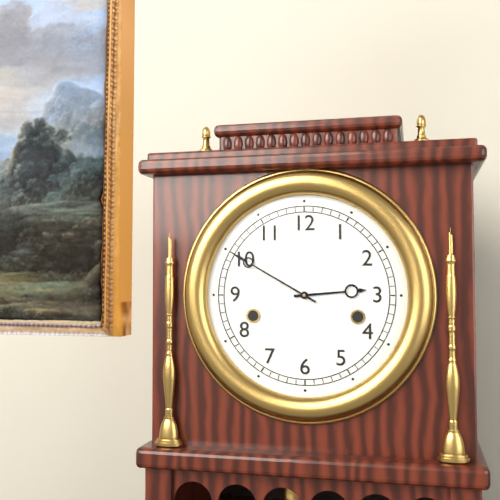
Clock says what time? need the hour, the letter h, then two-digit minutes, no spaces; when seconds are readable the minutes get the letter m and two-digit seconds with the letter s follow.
2h50
